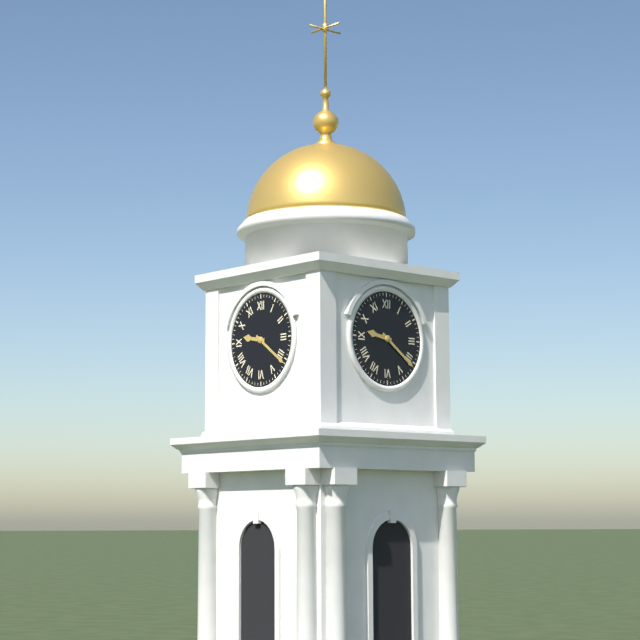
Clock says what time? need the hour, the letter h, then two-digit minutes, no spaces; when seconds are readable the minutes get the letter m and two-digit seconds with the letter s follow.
9h21
